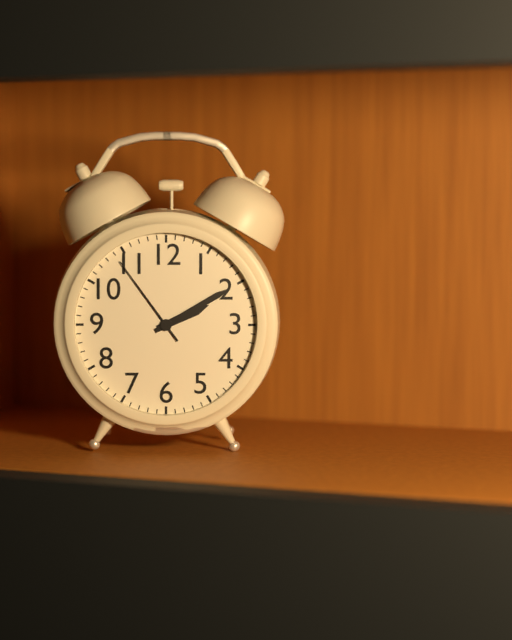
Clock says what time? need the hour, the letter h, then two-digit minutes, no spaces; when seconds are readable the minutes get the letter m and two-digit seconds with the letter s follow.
2h10m54s
